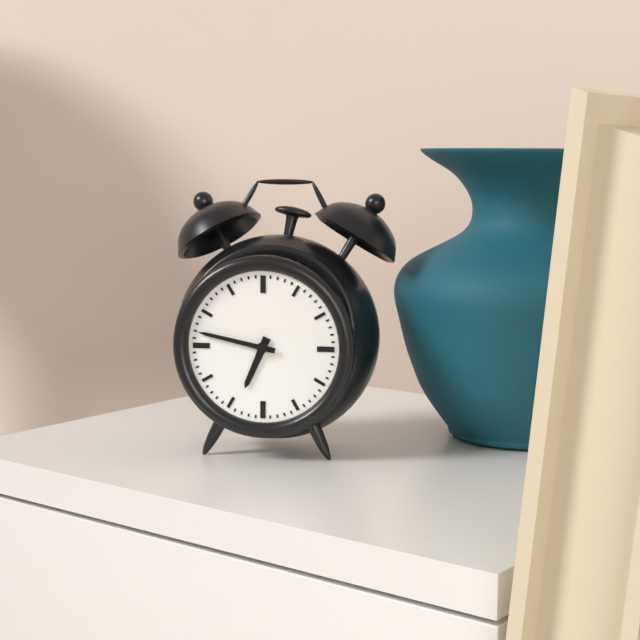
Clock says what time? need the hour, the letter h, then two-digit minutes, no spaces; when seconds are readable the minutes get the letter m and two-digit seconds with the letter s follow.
6h47
